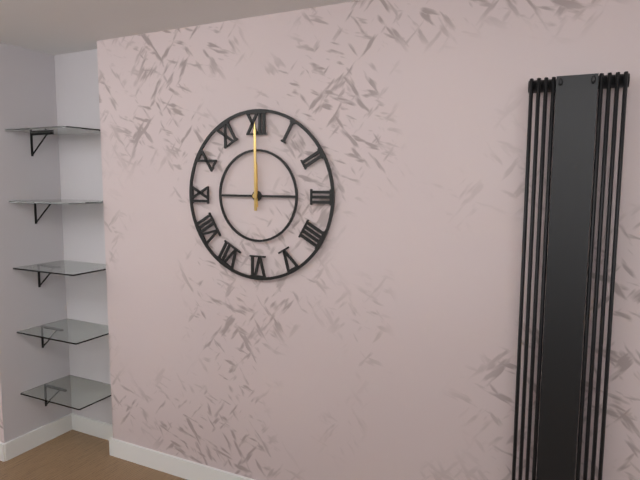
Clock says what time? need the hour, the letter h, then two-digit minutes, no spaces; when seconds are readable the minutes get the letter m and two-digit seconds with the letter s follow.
12h00
